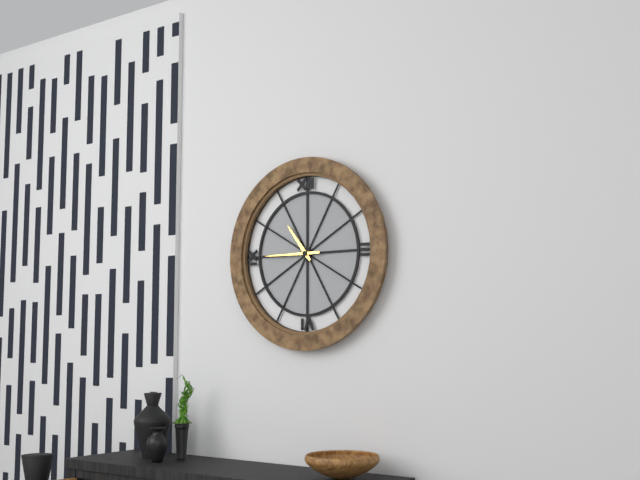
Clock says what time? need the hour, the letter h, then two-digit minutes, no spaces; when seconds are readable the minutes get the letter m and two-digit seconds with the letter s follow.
10h45
